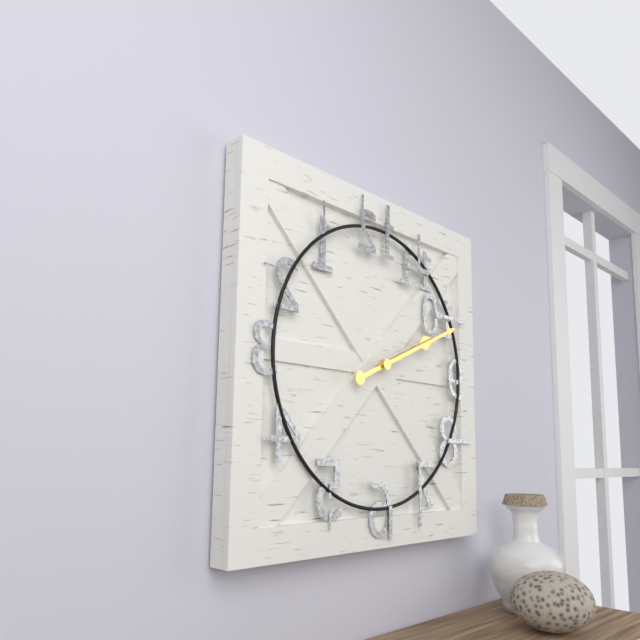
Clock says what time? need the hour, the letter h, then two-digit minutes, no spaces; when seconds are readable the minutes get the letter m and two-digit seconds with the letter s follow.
2h11
